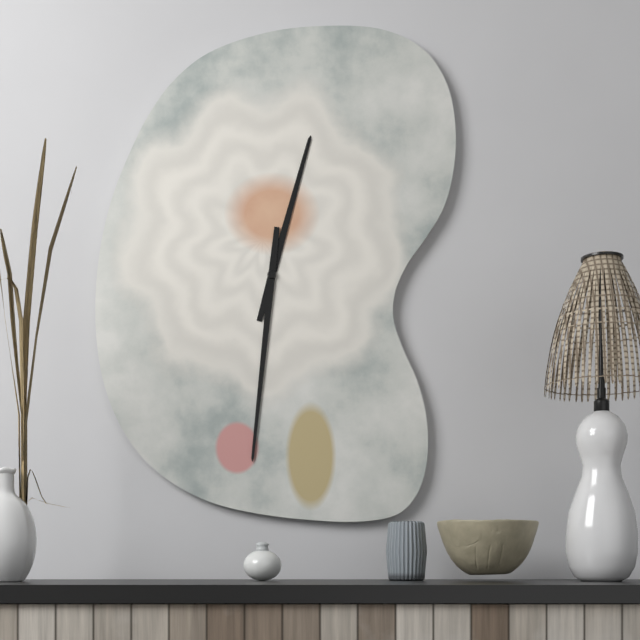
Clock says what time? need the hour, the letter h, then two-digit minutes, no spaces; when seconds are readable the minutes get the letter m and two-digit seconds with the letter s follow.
12h31
